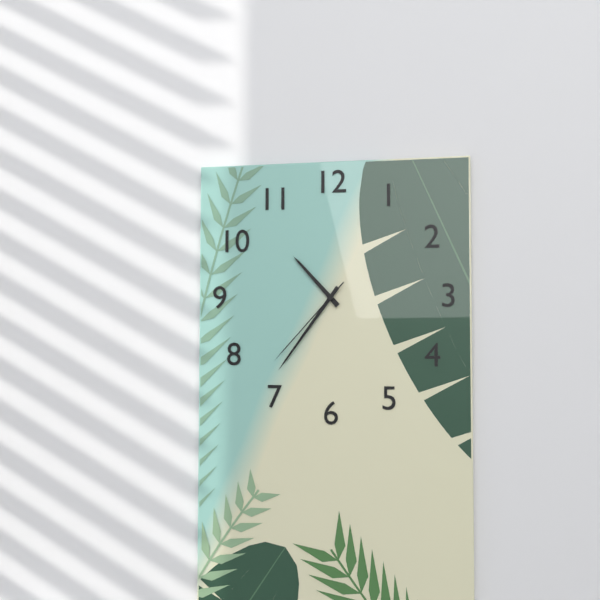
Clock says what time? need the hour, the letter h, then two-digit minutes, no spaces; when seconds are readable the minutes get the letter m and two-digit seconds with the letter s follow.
10h36m37s
